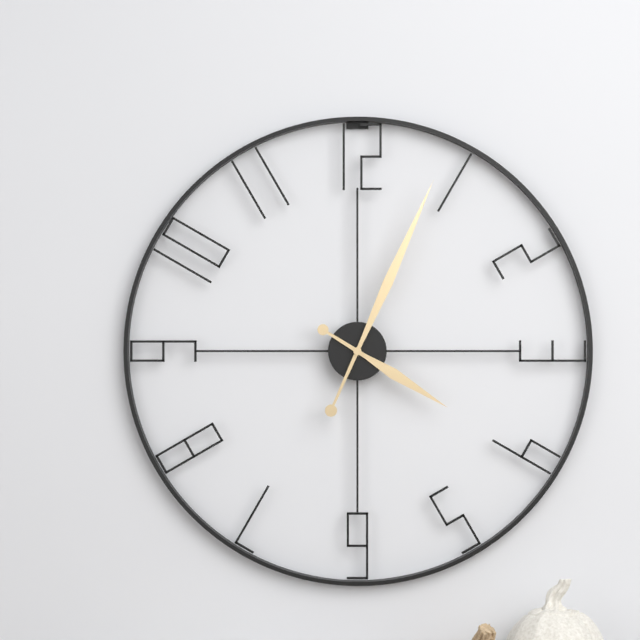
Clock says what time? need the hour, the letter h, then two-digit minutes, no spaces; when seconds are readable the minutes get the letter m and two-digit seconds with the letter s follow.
4h04
